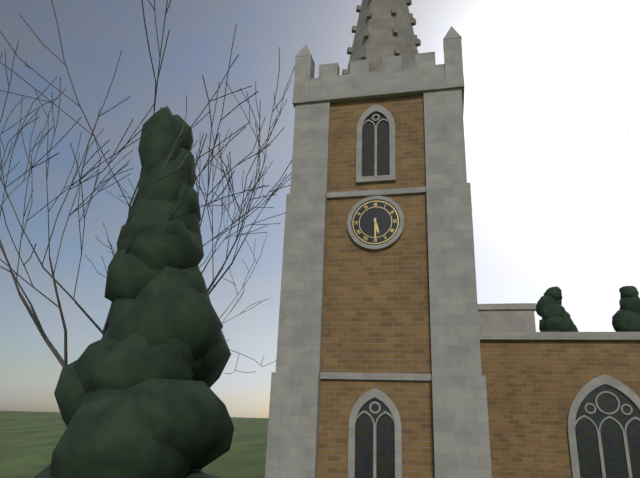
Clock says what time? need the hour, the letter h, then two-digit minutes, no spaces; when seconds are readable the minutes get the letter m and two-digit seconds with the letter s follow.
5h30
